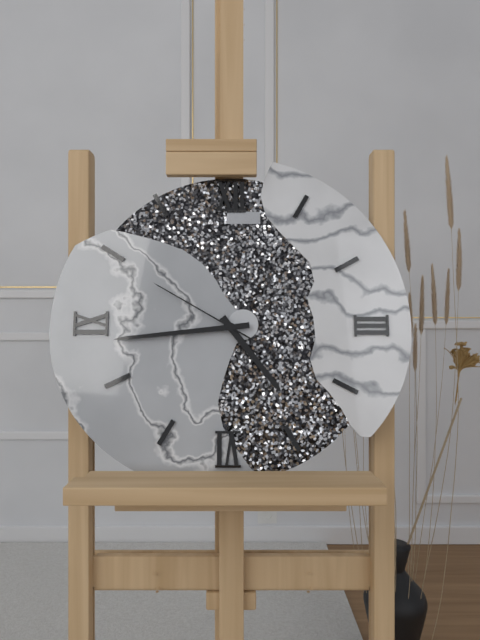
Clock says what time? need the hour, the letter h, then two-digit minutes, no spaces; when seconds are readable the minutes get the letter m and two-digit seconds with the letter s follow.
4h44m50s
